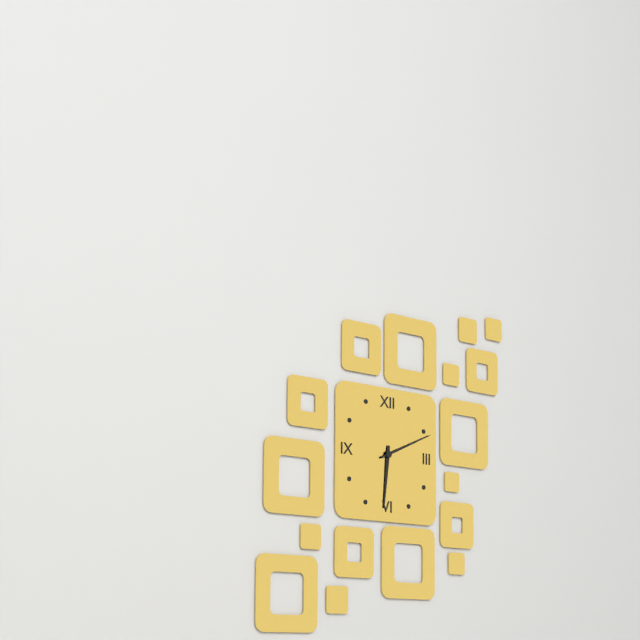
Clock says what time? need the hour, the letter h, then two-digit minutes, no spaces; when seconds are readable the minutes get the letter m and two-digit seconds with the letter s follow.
6h11
